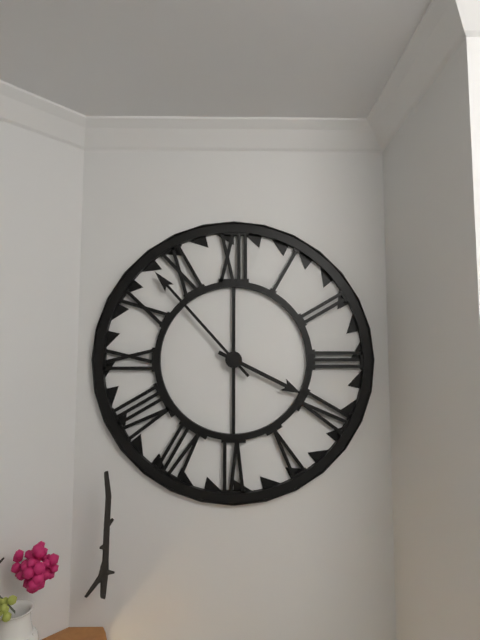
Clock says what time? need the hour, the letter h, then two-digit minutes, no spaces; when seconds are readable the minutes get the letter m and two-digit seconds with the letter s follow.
3h53
